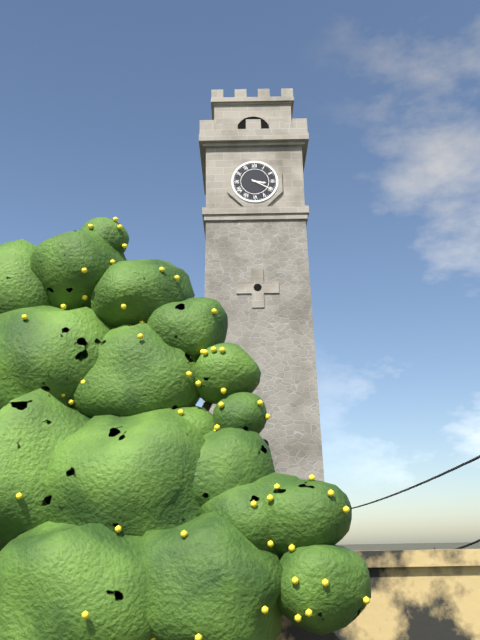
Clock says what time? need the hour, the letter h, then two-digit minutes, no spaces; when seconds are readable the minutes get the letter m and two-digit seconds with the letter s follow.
3h20
